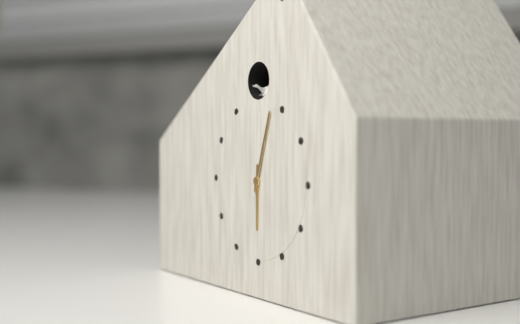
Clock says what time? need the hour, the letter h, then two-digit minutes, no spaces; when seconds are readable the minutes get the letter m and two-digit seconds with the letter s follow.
6h03
